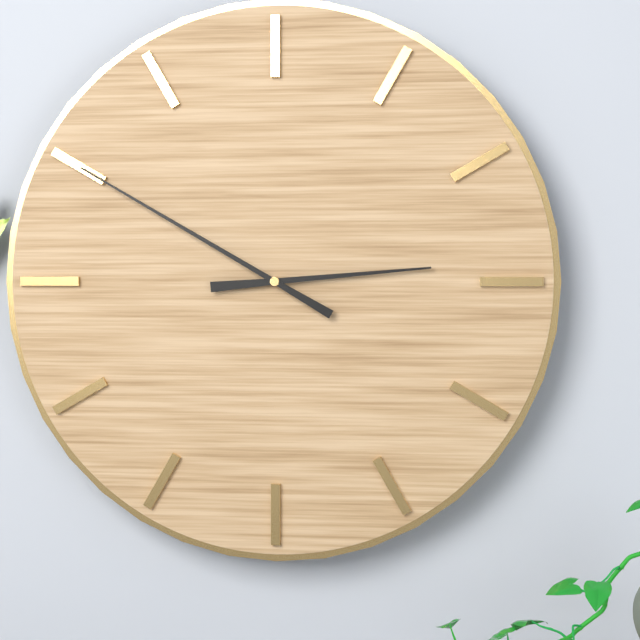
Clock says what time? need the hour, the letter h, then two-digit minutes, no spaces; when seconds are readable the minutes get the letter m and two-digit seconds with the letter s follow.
2h50
